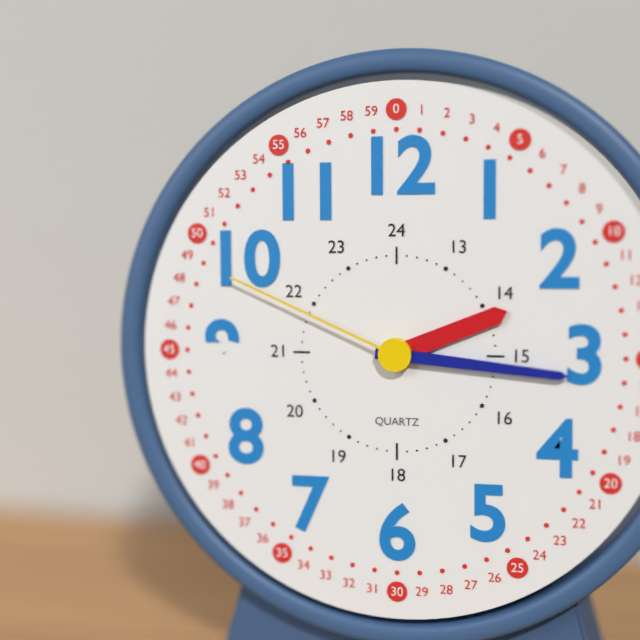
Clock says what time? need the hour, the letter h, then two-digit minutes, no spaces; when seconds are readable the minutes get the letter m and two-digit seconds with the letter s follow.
2h16m49s
